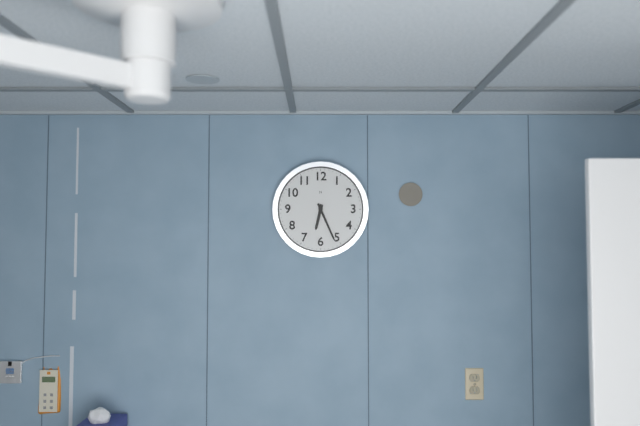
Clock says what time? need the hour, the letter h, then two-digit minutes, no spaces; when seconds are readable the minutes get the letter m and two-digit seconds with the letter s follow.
6h26
